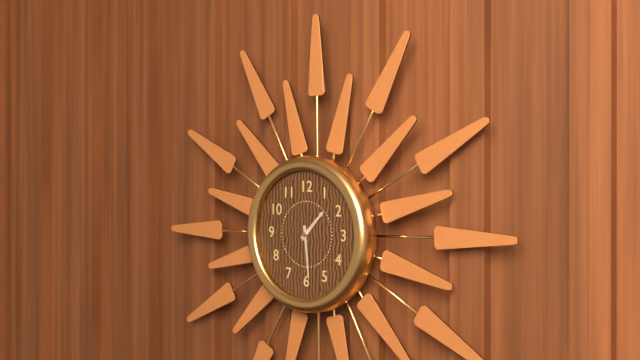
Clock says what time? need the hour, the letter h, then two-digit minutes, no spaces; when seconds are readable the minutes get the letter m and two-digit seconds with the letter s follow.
1h29
